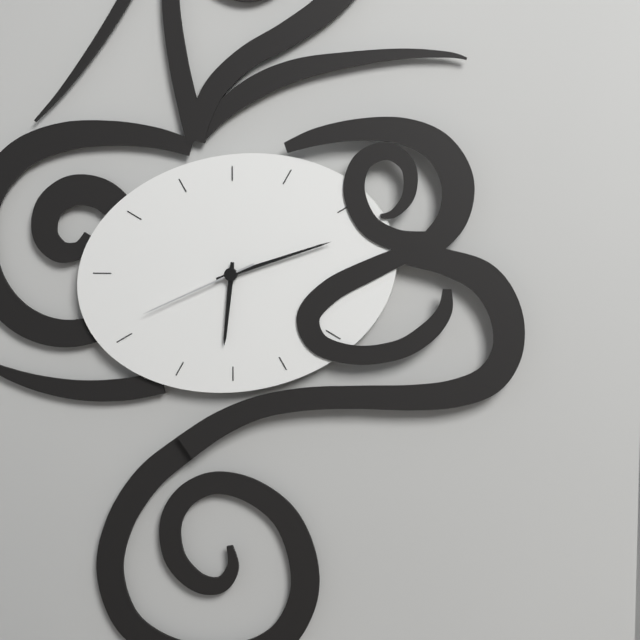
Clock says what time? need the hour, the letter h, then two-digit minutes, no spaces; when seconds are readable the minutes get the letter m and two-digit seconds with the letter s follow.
6h12m41s
